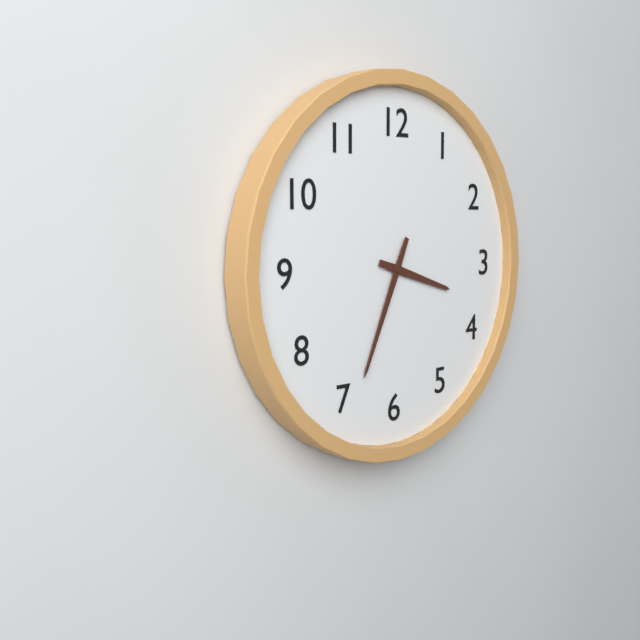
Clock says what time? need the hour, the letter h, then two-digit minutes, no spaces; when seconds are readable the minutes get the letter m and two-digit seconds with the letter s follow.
3h34
